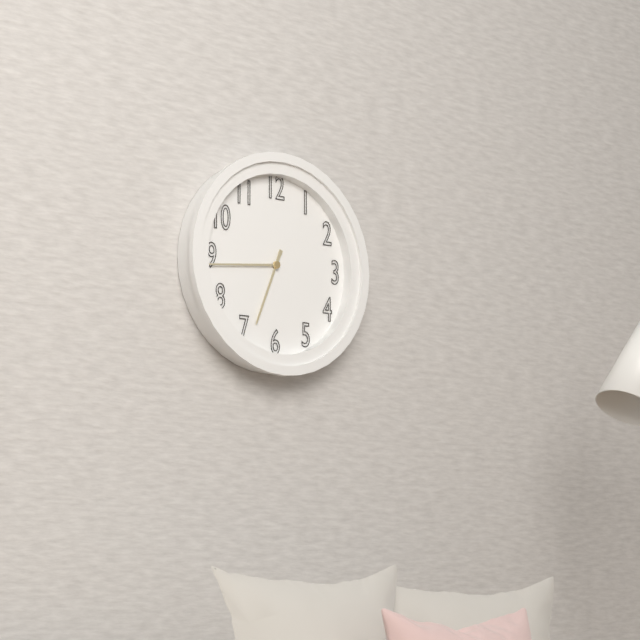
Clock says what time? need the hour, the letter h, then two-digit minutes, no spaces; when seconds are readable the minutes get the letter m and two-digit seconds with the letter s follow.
6h44
